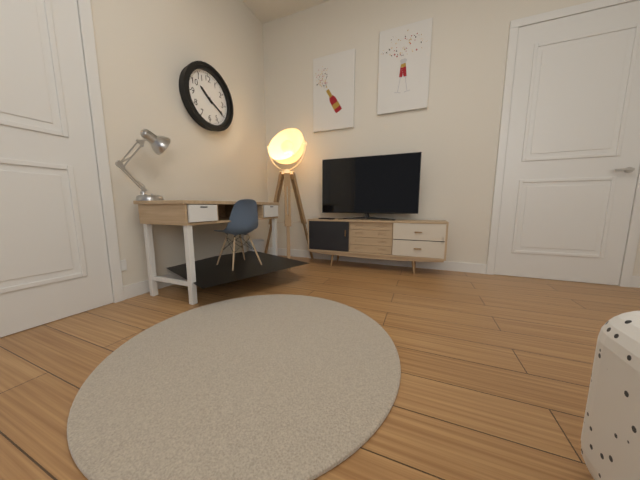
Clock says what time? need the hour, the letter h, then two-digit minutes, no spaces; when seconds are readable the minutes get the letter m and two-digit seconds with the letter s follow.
10h20
